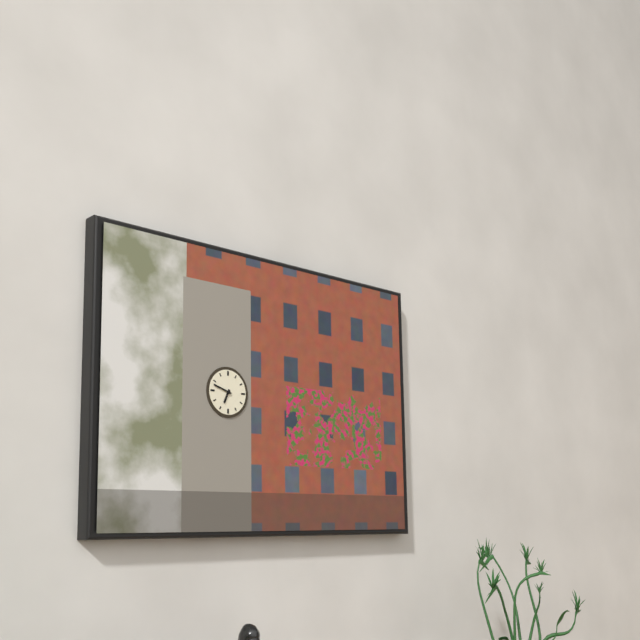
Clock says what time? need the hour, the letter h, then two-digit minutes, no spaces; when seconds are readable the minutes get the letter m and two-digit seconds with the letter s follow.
6h48
